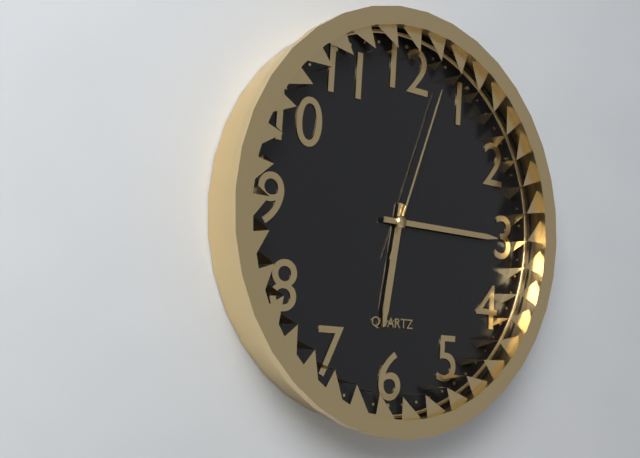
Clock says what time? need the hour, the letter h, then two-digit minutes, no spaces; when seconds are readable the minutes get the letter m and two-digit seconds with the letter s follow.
6h15m03s
